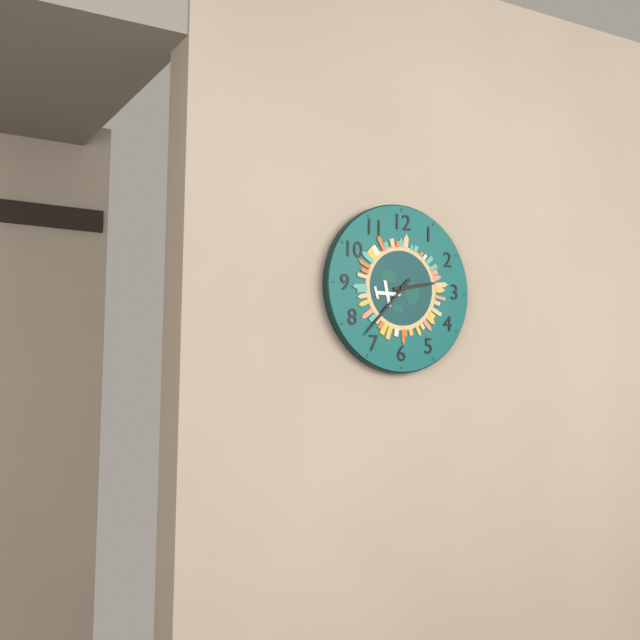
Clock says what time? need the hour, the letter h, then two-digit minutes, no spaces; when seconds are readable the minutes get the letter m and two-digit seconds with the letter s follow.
2h37
